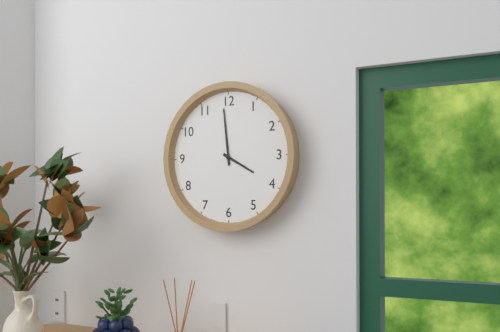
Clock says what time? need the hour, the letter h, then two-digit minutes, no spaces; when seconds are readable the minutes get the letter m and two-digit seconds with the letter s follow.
3h59
